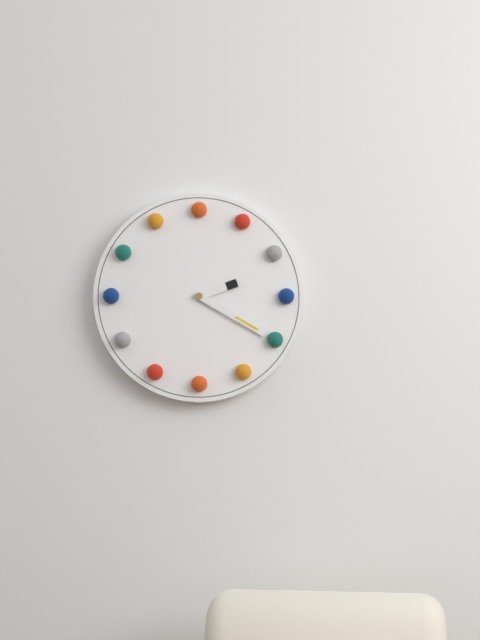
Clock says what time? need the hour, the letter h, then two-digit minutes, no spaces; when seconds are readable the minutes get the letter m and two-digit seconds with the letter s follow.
2h20
